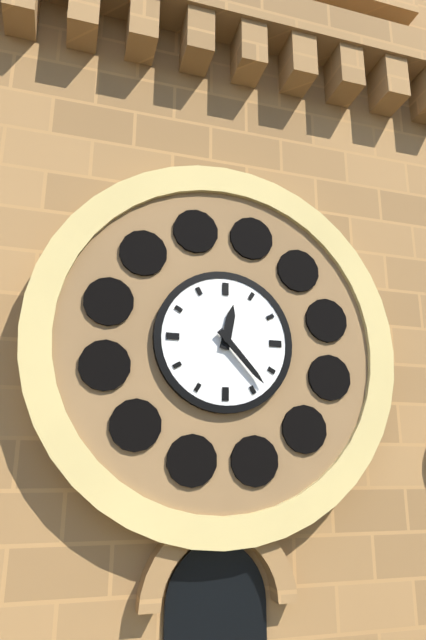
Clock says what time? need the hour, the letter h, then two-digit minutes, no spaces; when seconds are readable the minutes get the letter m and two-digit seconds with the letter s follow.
12h23
